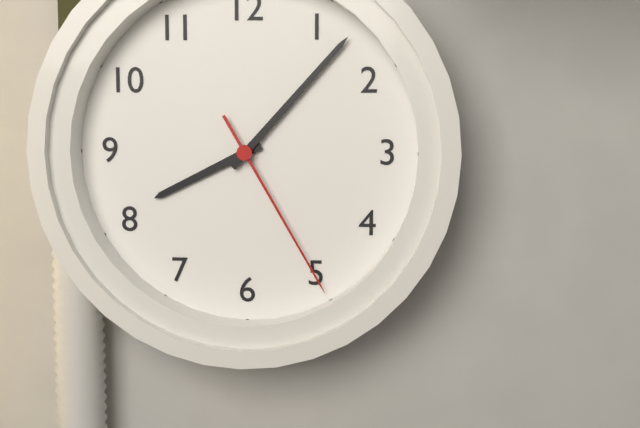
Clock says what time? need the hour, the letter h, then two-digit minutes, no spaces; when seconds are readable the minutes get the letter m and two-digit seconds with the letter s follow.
8h07m25s
